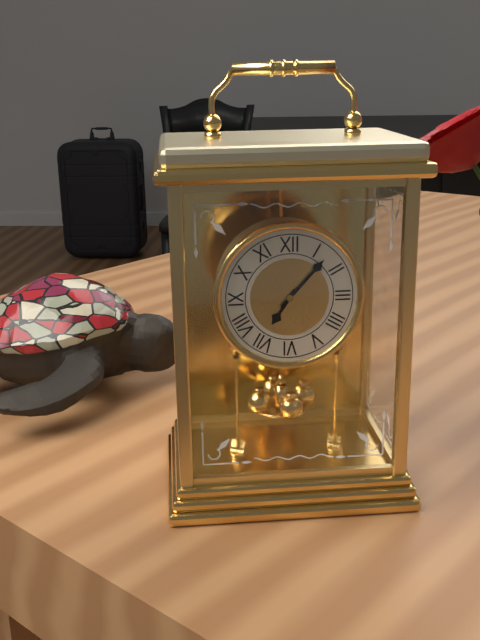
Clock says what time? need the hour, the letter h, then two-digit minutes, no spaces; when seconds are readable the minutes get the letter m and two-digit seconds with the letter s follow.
7h07
